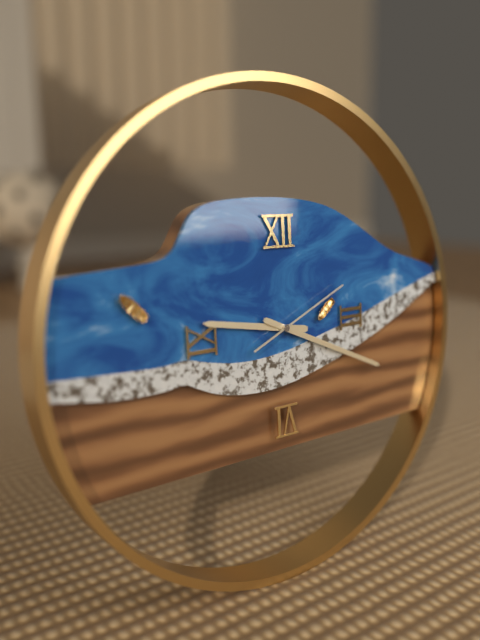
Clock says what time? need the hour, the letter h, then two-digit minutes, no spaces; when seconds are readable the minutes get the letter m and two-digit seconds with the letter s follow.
9h19m11s
